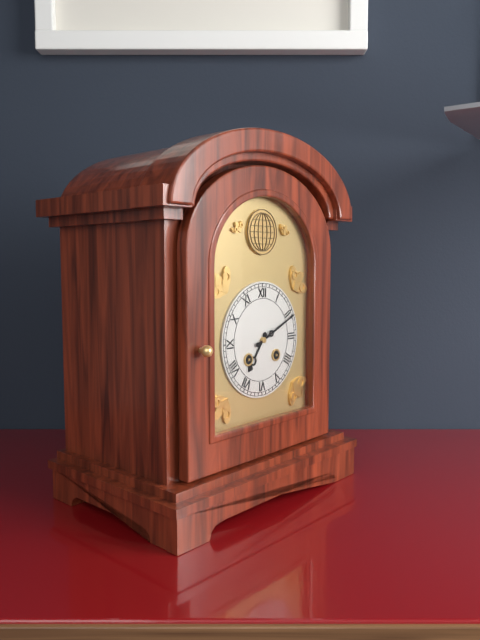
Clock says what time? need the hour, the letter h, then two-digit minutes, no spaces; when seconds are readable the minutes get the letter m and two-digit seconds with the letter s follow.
7h11
